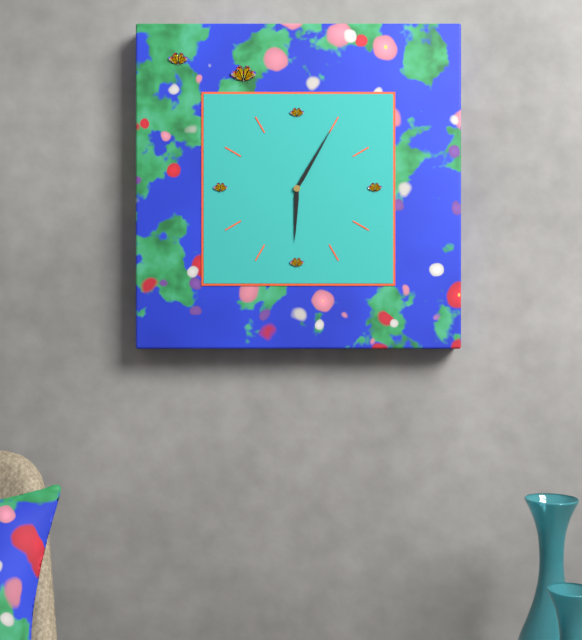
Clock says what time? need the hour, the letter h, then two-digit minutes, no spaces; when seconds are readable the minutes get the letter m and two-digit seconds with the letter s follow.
6h05
